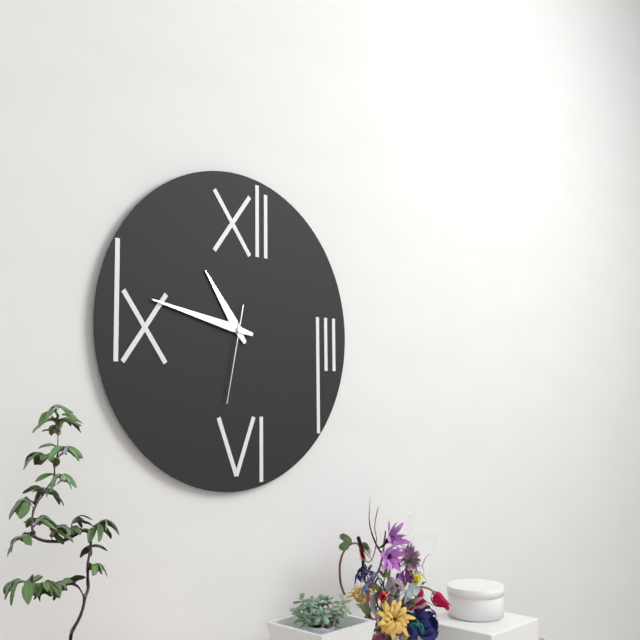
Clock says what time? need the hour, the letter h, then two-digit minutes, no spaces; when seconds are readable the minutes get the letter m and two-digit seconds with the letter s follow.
10h47m32s
